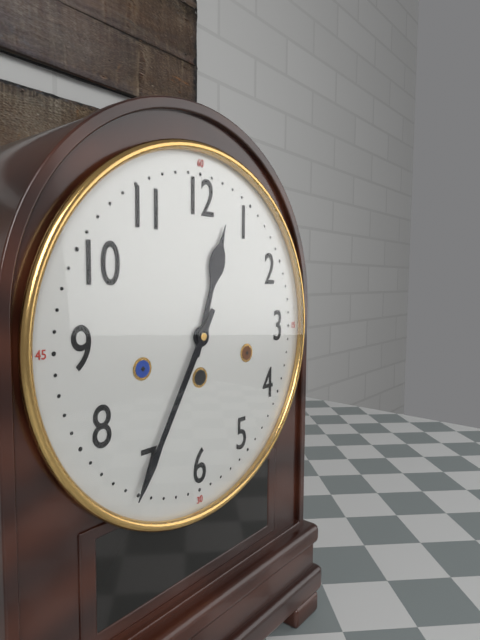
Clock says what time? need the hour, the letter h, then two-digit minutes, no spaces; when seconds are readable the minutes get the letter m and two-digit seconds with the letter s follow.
12h35
